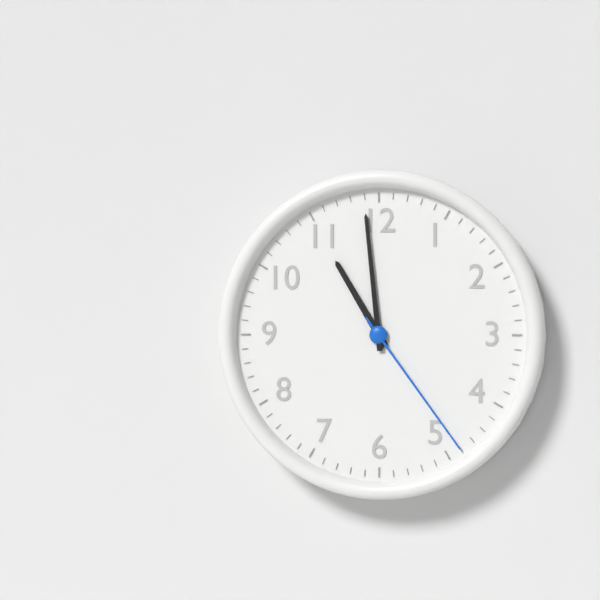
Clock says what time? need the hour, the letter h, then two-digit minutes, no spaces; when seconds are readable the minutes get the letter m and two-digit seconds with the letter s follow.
10h59m24s
